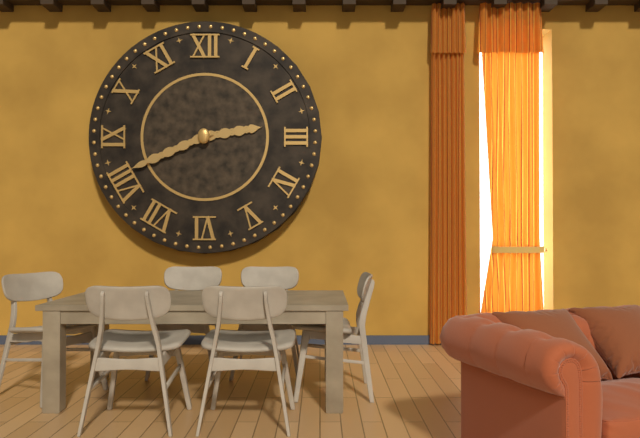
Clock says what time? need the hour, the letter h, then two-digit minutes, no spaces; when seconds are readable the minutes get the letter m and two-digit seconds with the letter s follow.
2h41
